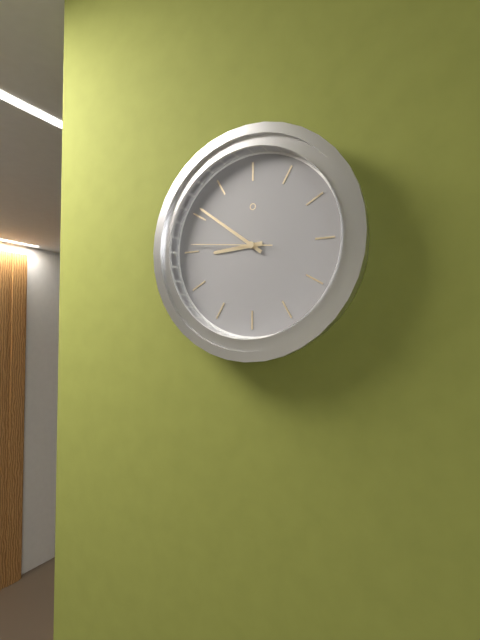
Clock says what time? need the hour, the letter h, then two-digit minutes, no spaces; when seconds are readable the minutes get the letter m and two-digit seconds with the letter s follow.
8h51m46s
